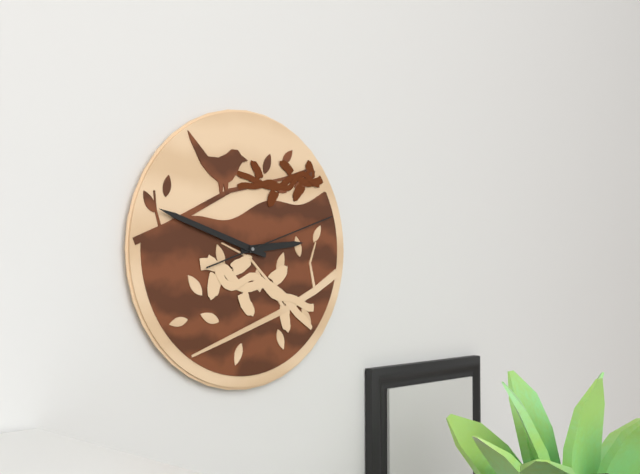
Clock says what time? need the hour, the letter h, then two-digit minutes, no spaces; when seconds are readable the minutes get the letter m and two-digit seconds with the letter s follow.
2h48m12s
